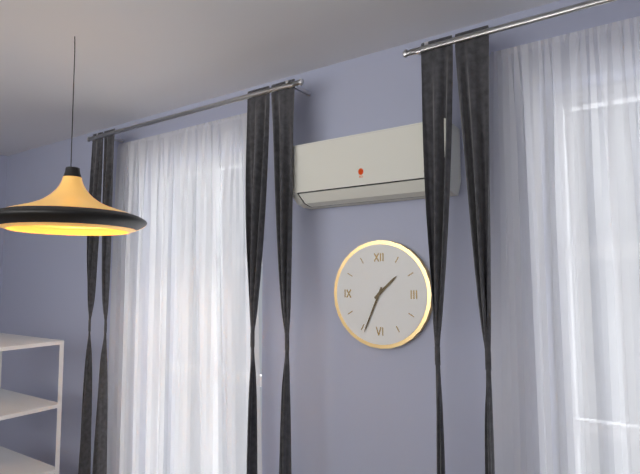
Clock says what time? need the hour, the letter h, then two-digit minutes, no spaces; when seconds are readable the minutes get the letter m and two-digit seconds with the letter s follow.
1h34
